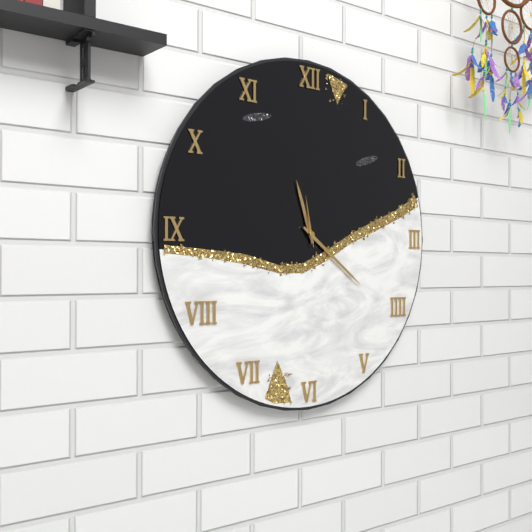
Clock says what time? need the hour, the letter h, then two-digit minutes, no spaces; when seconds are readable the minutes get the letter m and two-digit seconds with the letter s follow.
11h21m58s
